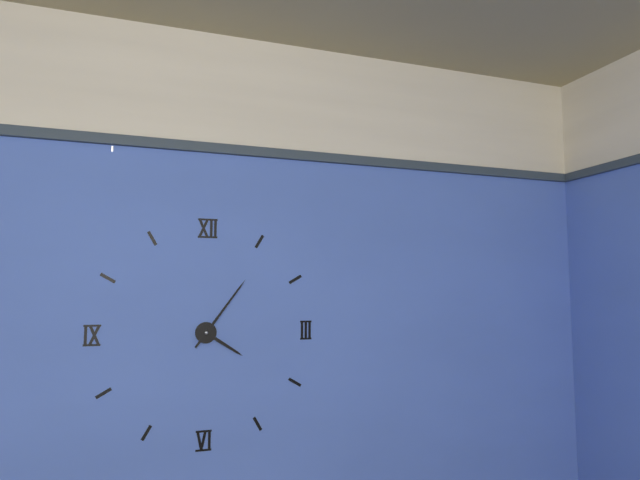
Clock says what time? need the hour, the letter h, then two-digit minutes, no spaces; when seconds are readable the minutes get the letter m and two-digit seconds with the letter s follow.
4h06
